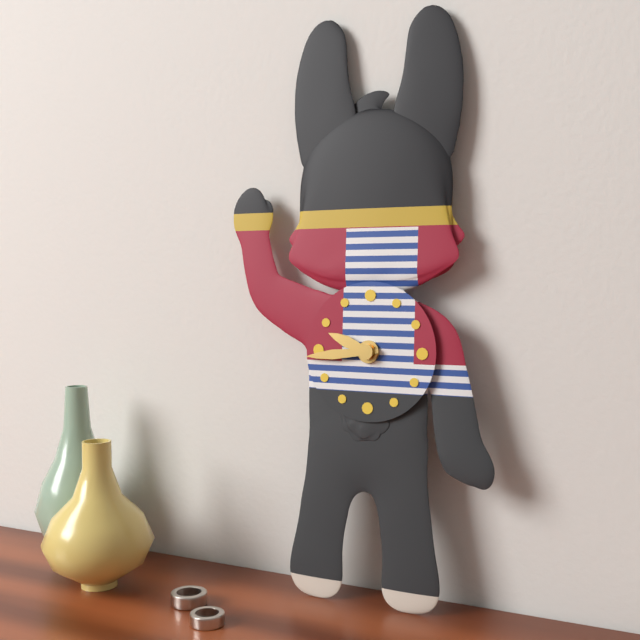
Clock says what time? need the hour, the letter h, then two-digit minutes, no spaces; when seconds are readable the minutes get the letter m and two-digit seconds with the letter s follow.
9h44
